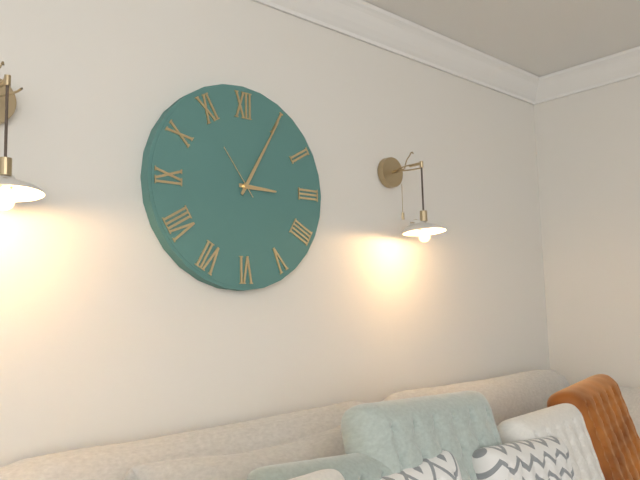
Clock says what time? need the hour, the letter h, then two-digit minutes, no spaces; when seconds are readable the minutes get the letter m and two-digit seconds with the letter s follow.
3h05m54s
